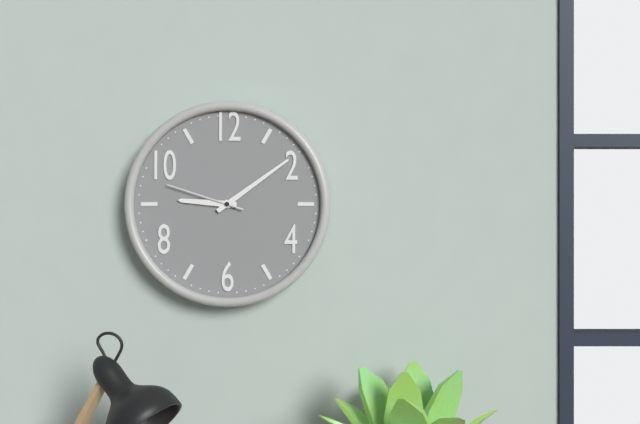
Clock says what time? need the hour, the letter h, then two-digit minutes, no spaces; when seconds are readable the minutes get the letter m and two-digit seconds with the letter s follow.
9h09m48s
